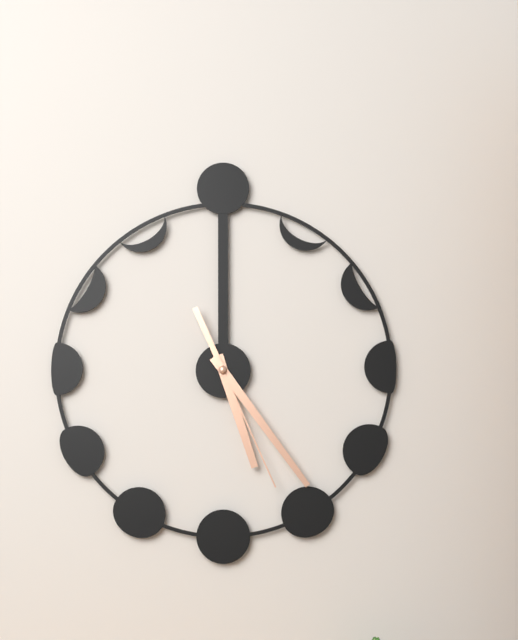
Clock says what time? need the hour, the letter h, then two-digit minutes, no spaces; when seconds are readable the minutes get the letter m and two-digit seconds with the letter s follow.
5h24m26s
